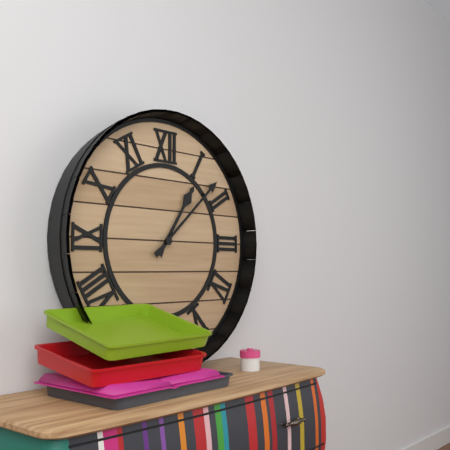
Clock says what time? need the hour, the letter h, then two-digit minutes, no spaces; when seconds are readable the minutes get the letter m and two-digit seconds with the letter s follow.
1h08
